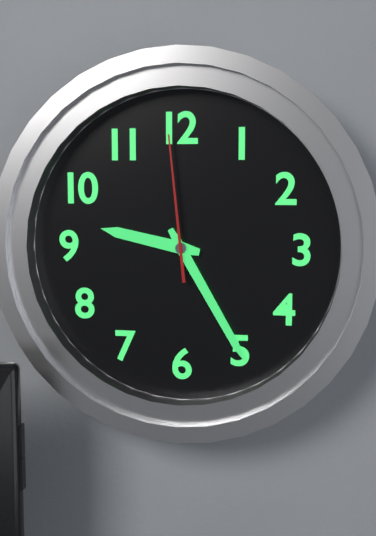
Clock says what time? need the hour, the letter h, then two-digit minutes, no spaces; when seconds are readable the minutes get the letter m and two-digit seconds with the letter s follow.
9h25m59s
